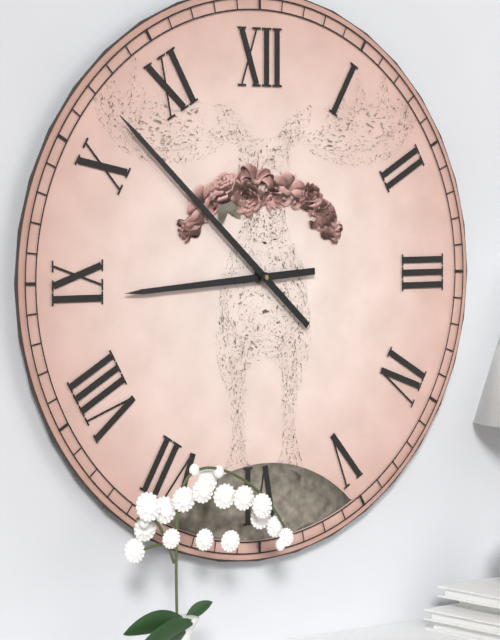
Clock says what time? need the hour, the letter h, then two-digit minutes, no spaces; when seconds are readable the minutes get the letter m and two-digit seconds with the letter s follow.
8h52
